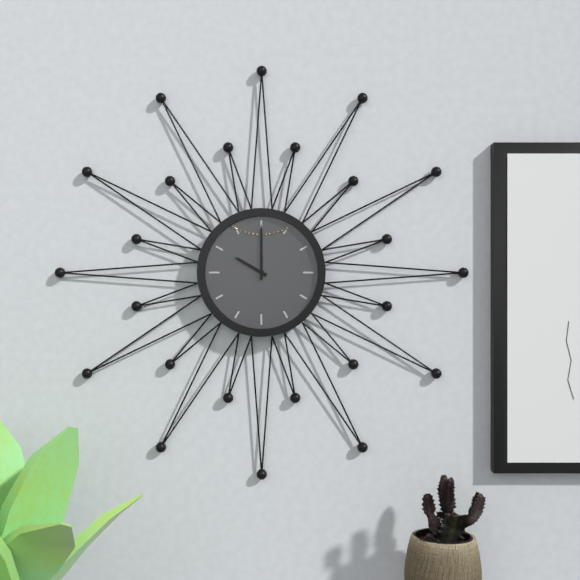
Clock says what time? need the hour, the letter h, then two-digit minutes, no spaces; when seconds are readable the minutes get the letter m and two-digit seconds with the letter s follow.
10h00
